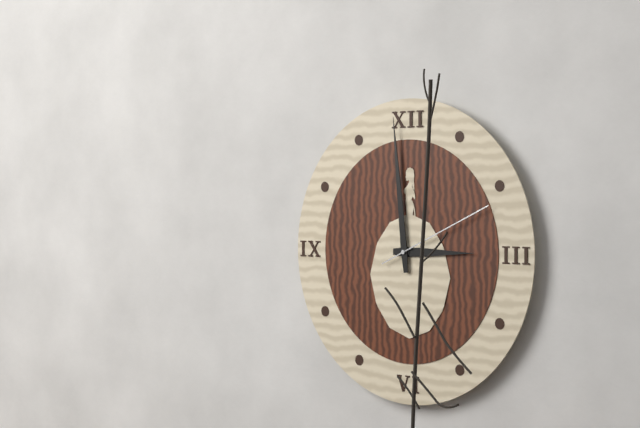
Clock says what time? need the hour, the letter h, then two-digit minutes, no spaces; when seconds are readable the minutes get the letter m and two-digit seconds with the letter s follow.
2h59m11s
